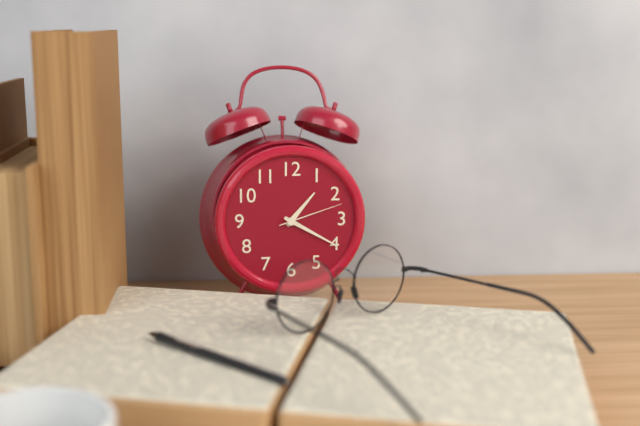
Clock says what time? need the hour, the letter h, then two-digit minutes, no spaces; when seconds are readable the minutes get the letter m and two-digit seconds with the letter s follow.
1h20m12s
